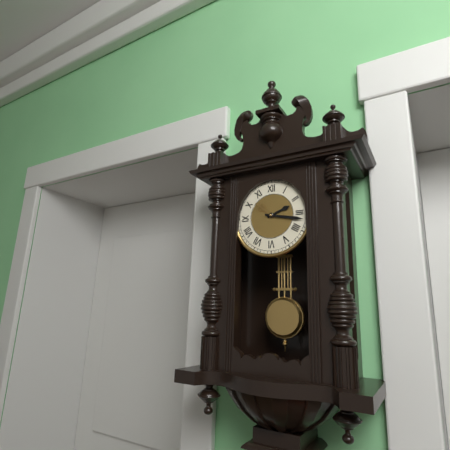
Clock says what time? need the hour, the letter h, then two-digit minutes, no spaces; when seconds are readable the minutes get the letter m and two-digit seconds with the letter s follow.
2h17
